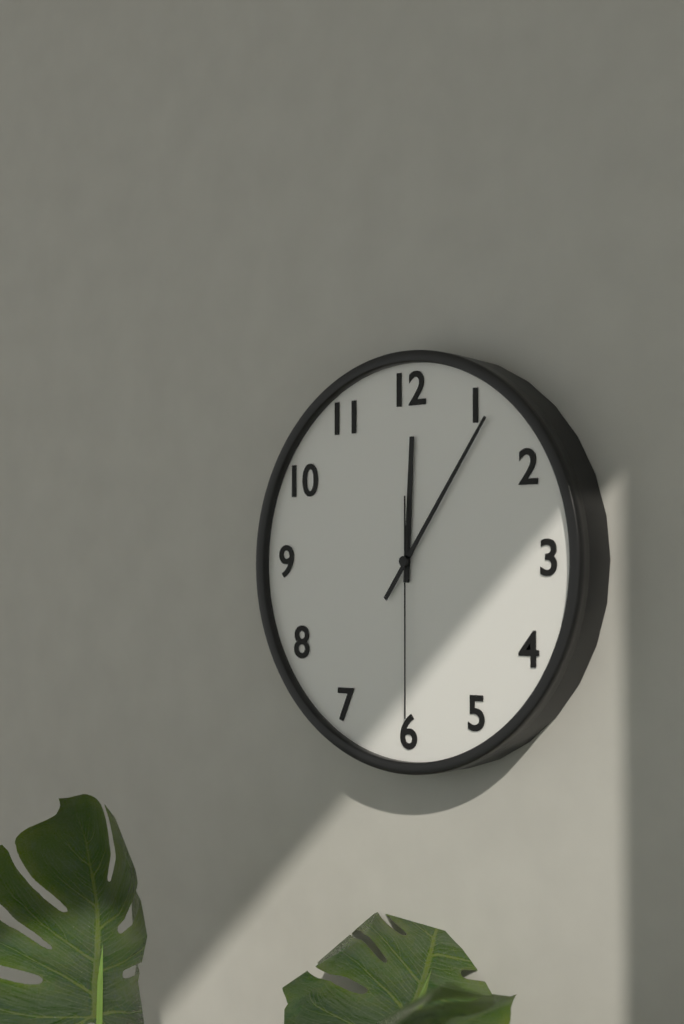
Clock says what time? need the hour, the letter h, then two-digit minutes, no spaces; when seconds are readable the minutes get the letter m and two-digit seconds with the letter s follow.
12h06m30s
